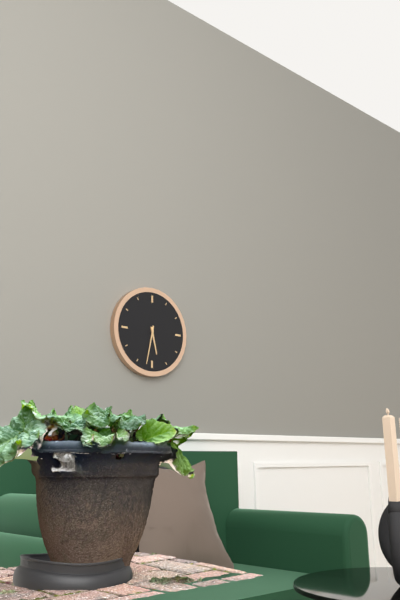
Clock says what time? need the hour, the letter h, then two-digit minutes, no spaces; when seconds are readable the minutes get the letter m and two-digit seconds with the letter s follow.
5h32
